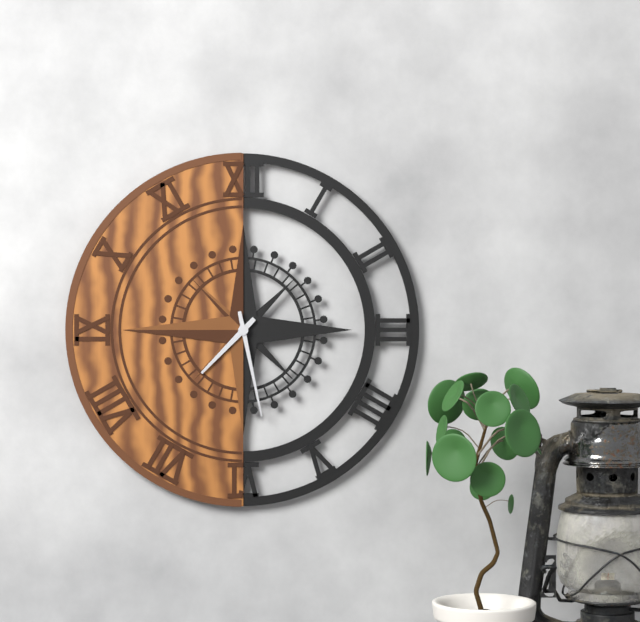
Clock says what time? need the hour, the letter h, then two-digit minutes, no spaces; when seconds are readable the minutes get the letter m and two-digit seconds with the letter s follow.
7h28
